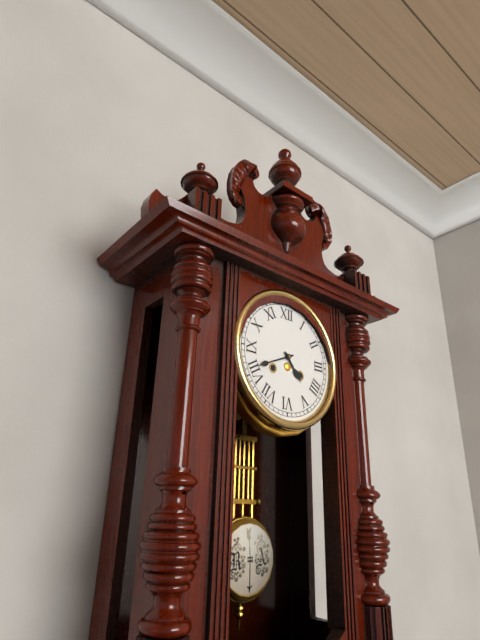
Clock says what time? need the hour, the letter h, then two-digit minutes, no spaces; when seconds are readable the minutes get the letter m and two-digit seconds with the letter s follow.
4h41
